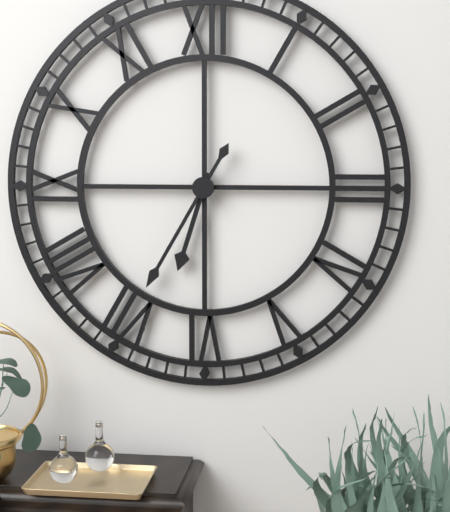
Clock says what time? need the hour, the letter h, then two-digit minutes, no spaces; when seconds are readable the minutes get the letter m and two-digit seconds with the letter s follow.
6h35
